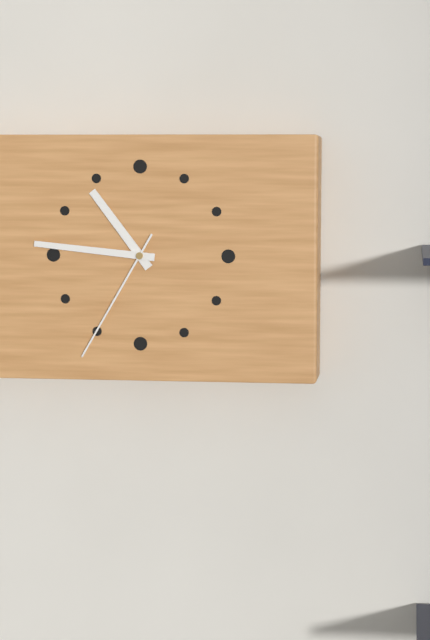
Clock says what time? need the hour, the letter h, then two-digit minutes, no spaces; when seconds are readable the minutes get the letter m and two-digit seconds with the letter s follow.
10h46m35s
